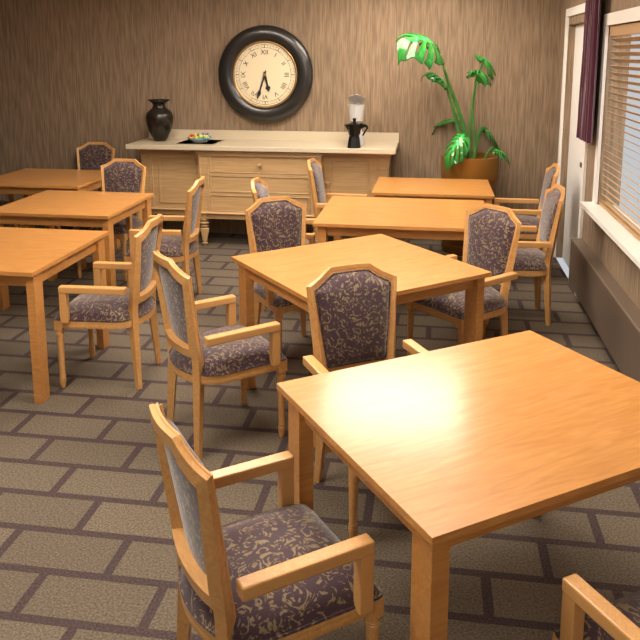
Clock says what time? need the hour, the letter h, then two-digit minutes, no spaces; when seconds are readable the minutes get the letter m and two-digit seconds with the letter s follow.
5h33
